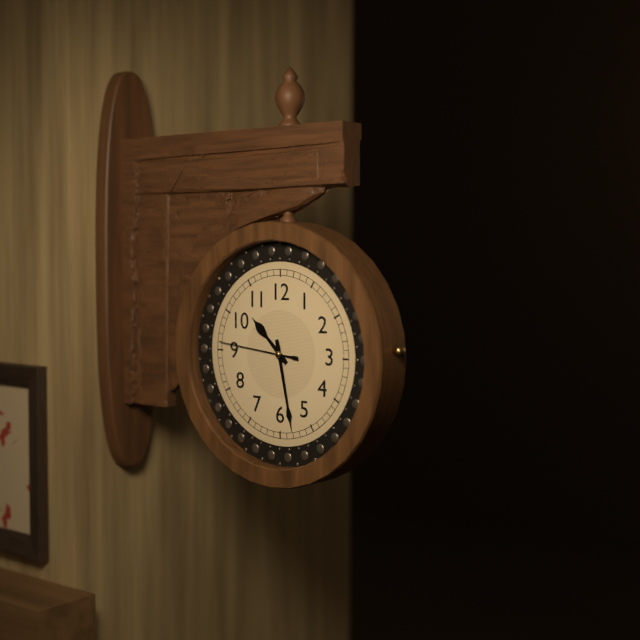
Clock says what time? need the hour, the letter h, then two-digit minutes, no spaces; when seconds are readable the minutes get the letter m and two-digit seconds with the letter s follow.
10h28m46s
